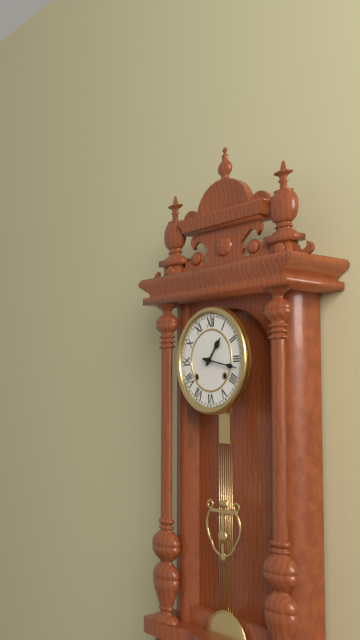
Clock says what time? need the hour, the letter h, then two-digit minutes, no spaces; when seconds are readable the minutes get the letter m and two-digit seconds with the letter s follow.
1h17
